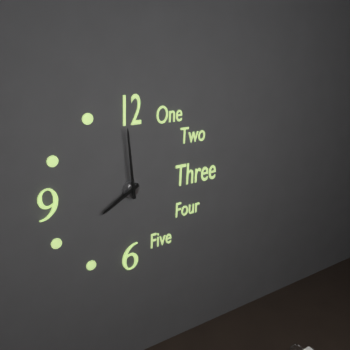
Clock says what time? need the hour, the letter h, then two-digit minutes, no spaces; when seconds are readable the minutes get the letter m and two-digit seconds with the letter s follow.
7h59
